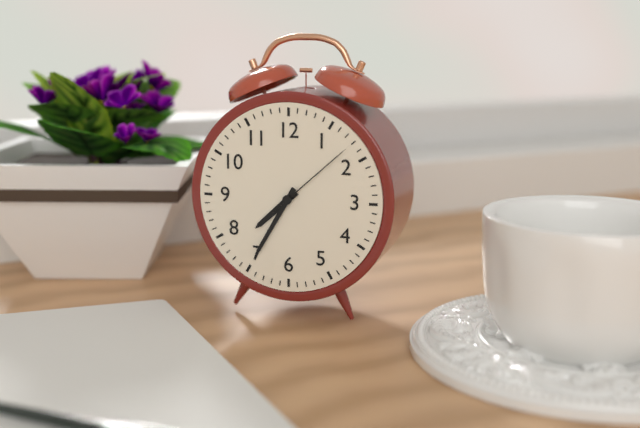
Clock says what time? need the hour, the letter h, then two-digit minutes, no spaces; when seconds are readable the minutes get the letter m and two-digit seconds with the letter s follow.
7h35m08s
